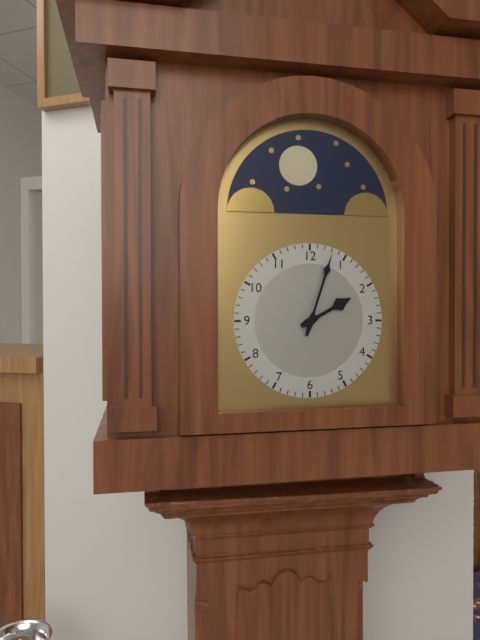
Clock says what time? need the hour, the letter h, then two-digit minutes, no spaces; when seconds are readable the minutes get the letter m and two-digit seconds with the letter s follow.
2h03
